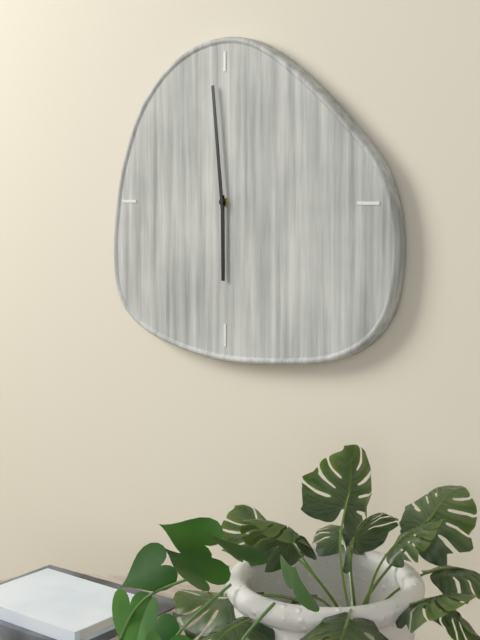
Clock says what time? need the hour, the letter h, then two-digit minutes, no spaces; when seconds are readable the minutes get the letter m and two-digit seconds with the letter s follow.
5h59
